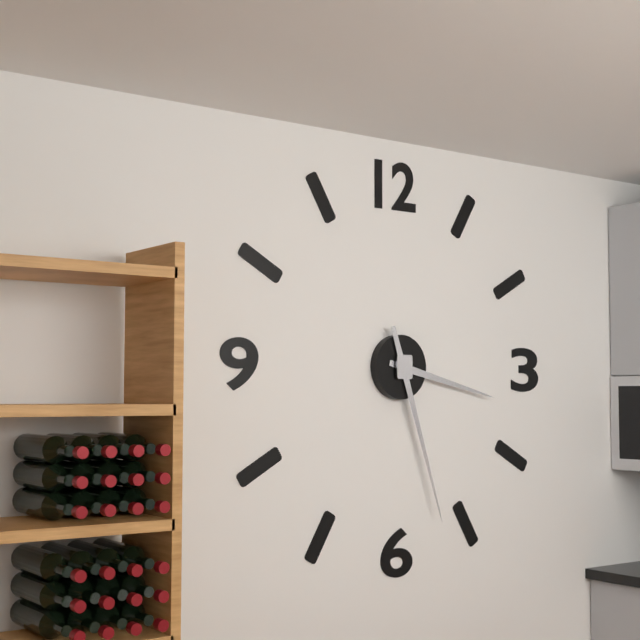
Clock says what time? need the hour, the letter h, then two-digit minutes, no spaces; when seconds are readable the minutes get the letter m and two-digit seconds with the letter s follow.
3h27
